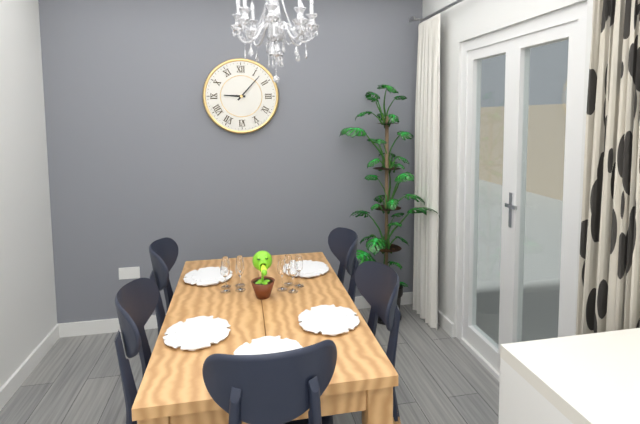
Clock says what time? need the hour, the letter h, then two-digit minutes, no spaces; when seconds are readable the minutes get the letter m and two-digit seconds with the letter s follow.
9h07
